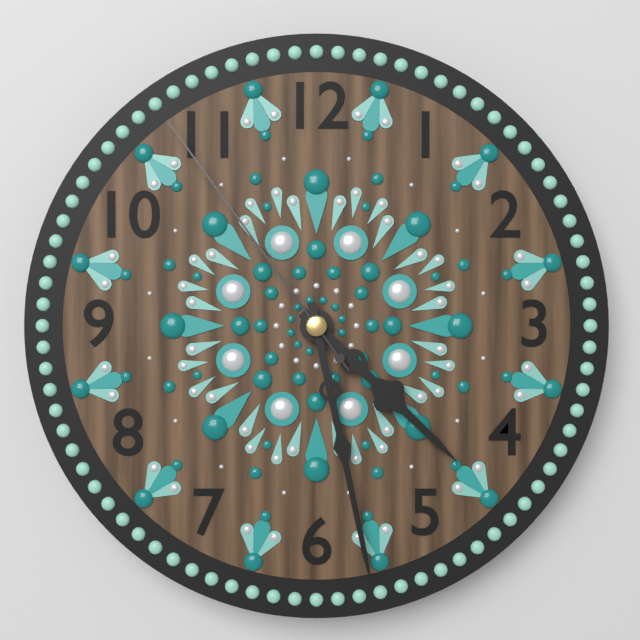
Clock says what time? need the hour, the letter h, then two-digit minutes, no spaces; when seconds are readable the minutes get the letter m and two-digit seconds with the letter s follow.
4h28m54s
